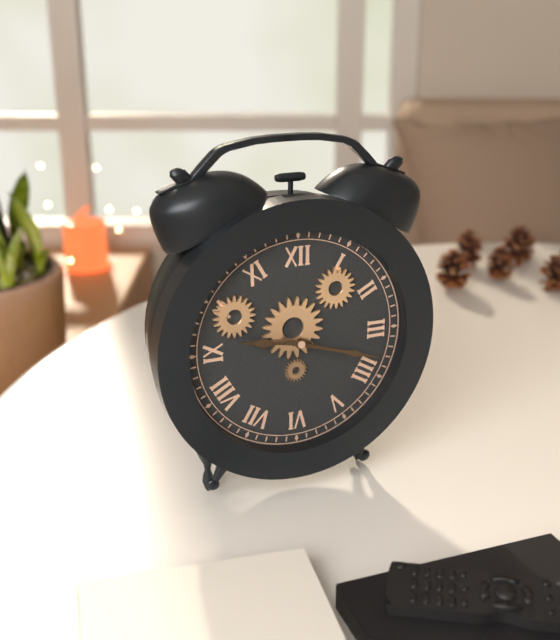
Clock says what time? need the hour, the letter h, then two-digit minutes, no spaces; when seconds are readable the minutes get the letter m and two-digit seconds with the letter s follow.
9h18
